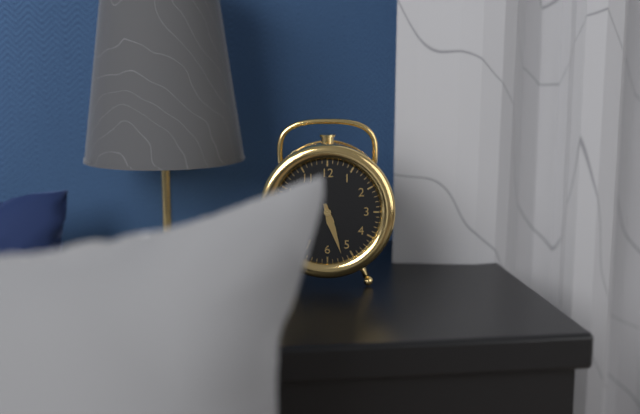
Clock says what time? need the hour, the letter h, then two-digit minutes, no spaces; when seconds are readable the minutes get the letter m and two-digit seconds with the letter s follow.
5h27
